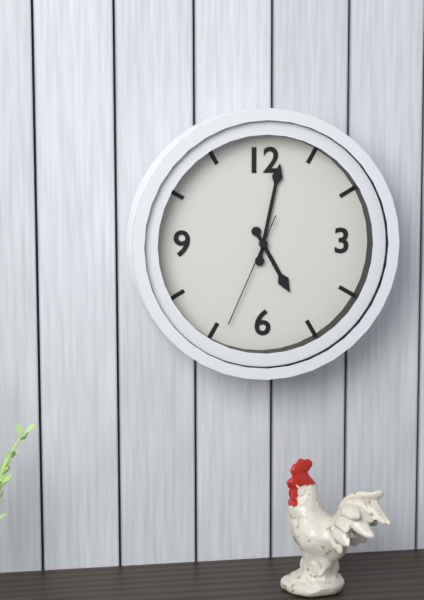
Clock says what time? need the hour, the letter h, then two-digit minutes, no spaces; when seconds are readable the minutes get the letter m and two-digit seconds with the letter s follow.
5h02m34s
